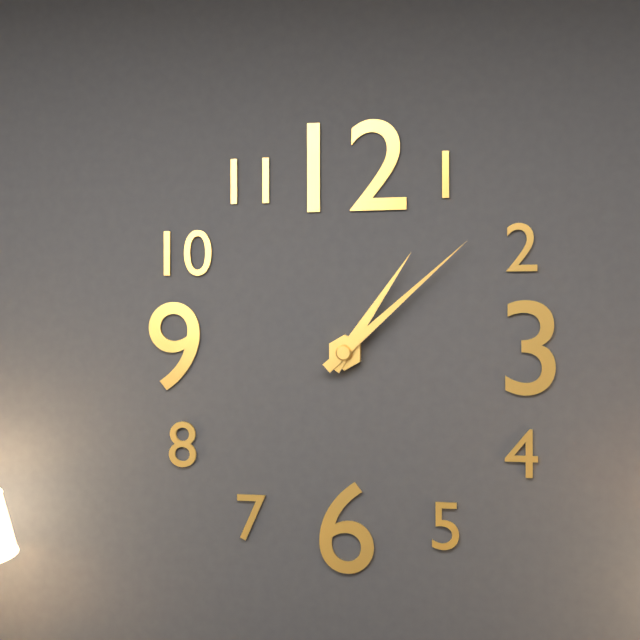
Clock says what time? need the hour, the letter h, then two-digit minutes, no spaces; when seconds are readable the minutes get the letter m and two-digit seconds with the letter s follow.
1h08
